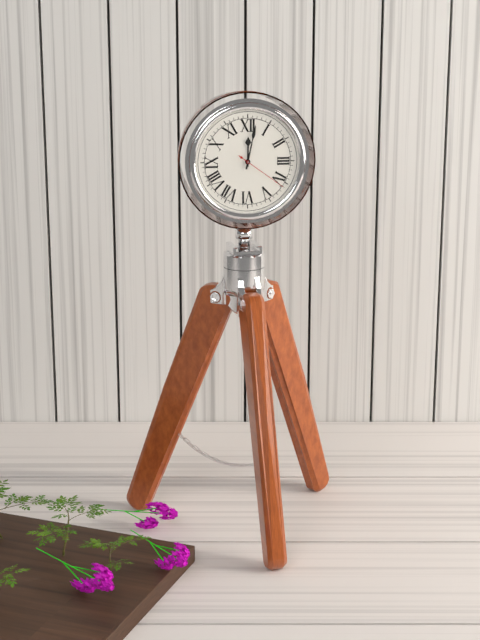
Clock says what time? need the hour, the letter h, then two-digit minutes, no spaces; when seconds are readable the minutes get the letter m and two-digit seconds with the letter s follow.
12h02m21s
